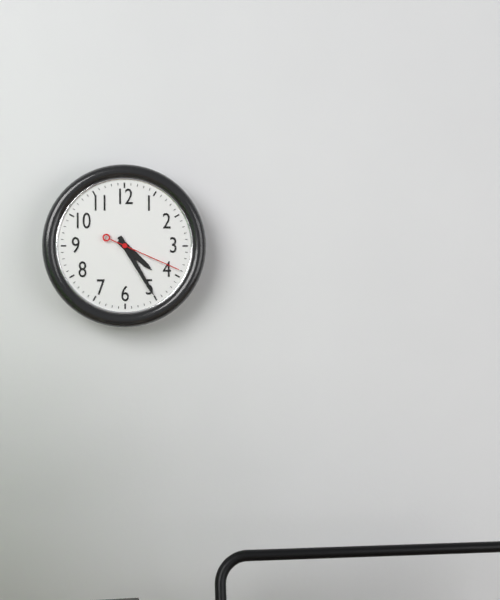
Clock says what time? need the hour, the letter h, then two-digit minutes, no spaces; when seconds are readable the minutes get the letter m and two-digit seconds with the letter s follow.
4h25m19s
